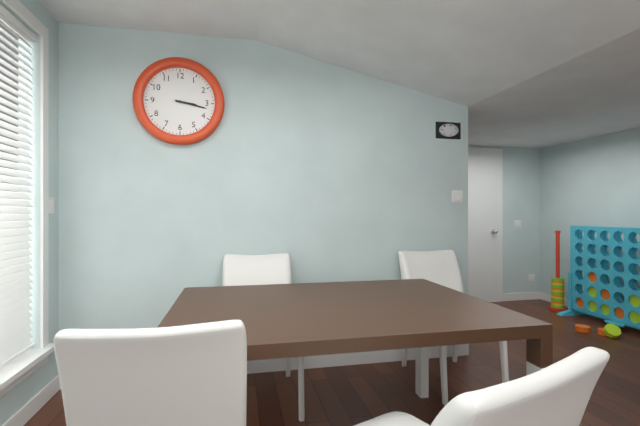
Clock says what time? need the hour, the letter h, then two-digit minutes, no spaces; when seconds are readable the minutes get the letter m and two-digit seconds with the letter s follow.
3h17
